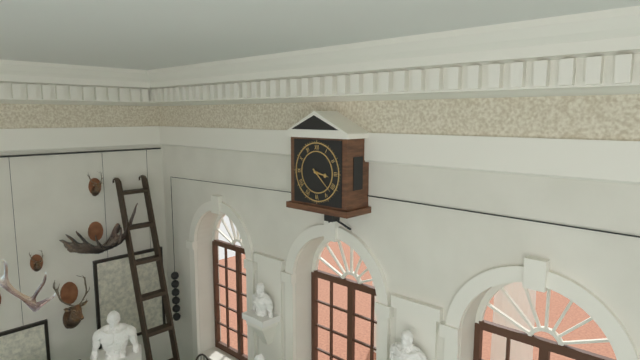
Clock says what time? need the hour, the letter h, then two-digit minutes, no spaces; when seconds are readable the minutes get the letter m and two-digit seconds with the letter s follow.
3h22
